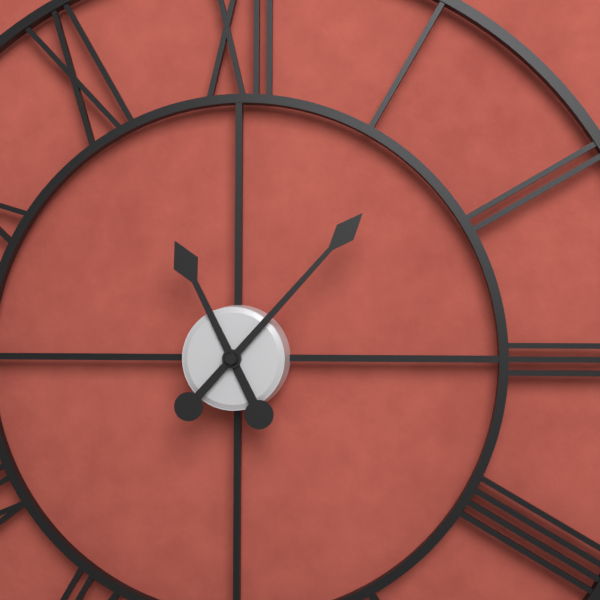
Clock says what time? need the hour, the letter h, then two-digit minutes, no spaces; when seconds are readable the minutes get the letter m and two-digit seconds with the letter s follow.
11h07
